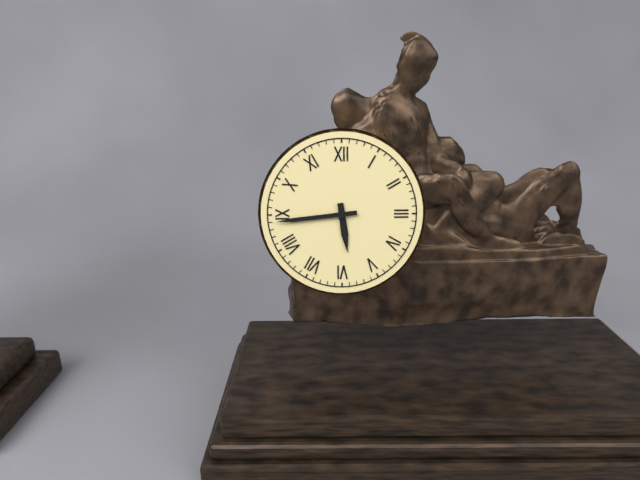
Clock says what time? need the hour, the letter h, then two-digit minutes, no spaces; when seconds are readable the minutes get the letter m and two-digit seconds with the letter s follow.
5h44
